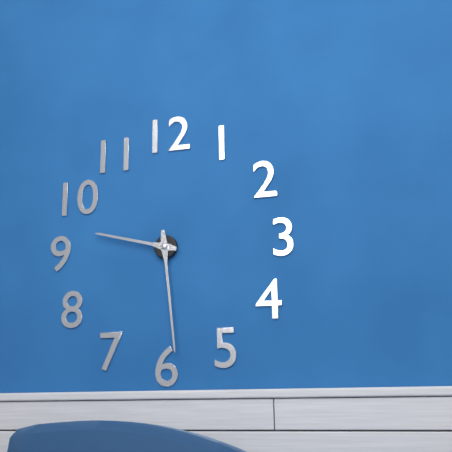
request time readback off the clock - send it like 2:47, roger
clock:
9:29
